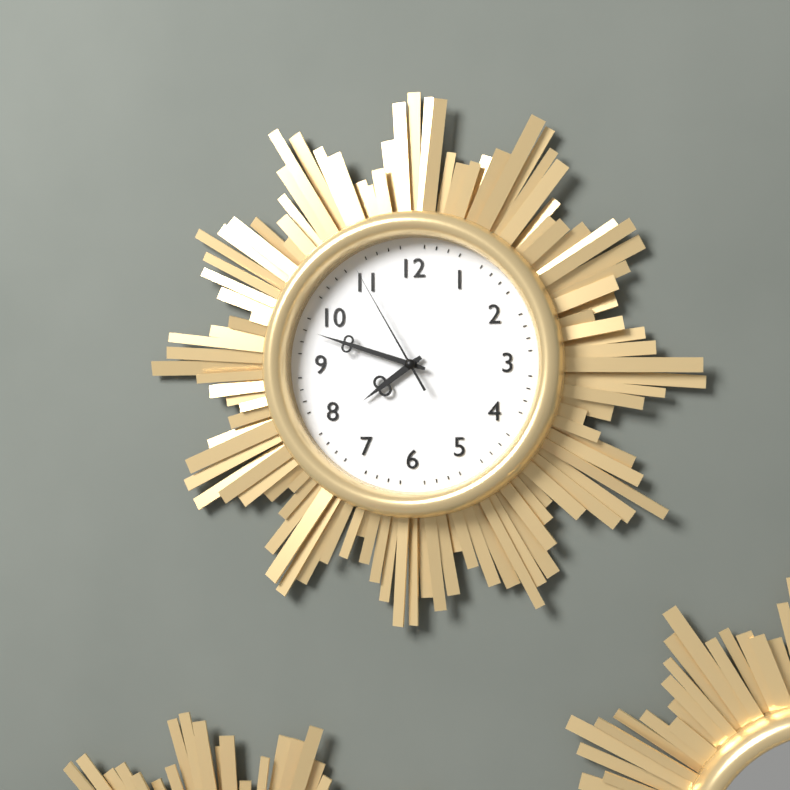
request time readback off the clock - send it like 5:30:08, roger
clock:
7:48:55
